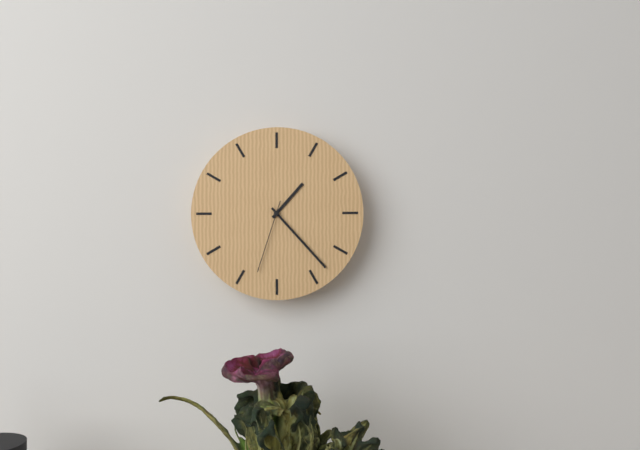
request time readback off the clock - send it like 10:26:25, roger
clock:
1:23:33
